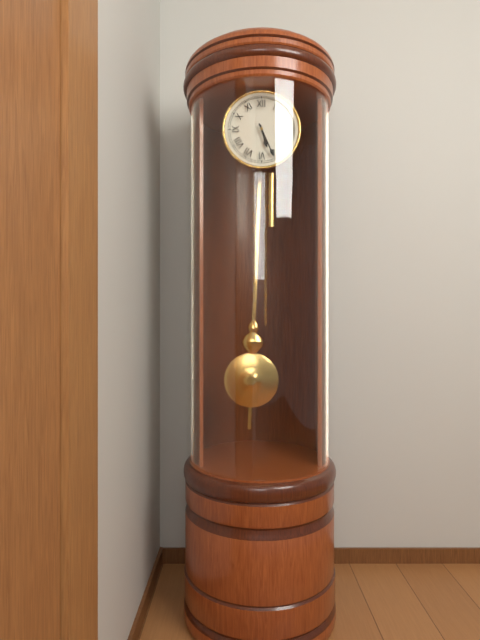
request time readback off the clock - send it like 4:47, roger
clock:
5:26
